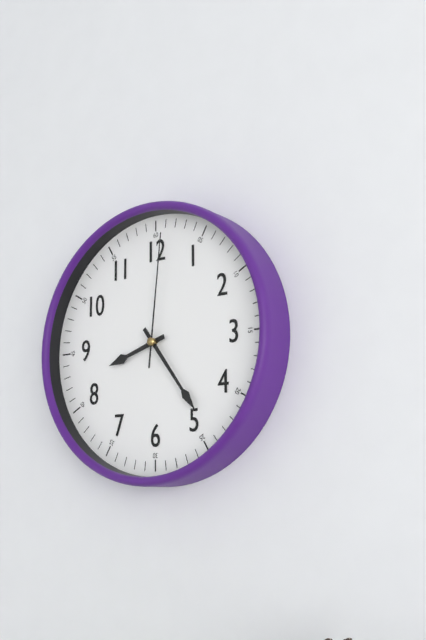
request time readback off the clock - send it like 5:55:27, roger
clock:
8:24:01
